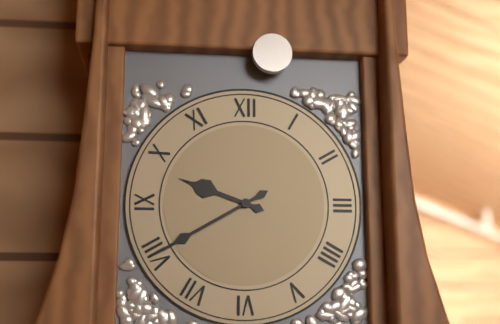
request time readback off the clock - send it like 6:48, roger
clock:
9:40
